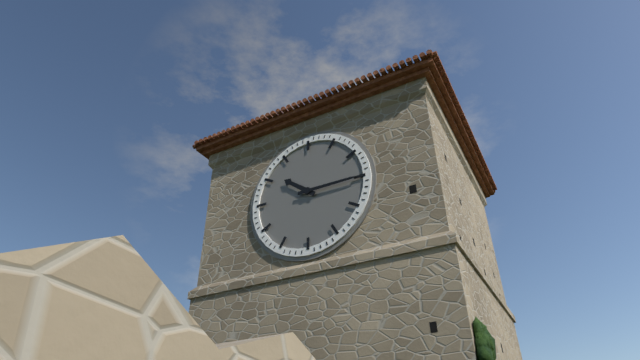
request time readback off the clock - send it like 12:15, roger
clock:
10:15
